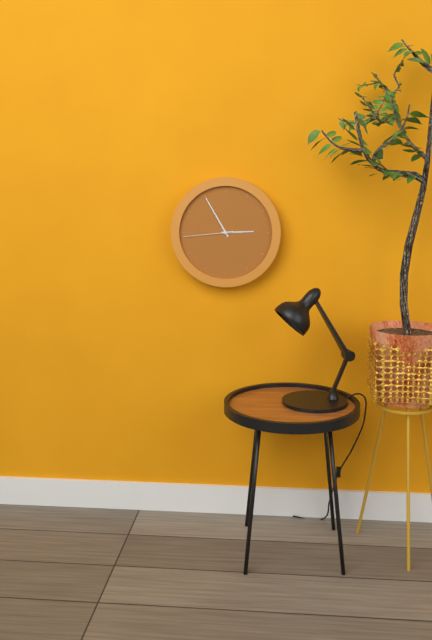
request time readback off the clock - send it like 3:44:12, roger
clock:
2:55:44
